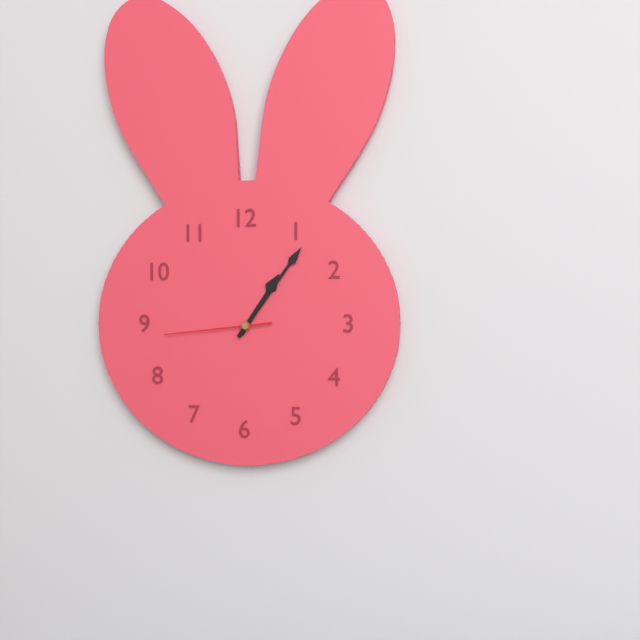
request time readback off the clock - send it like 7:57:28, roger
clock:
1:06:44
